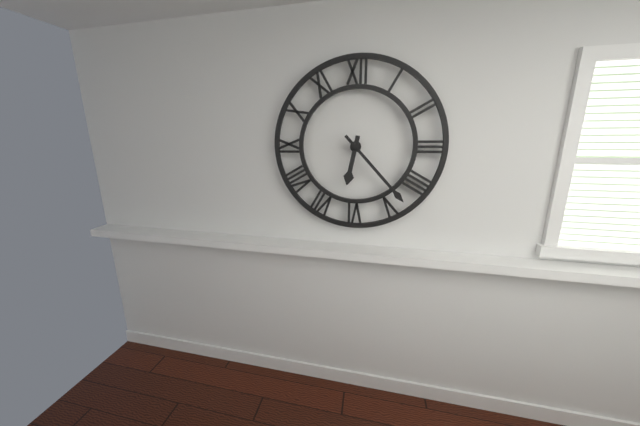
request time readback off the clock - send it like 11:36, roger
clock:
6:23
